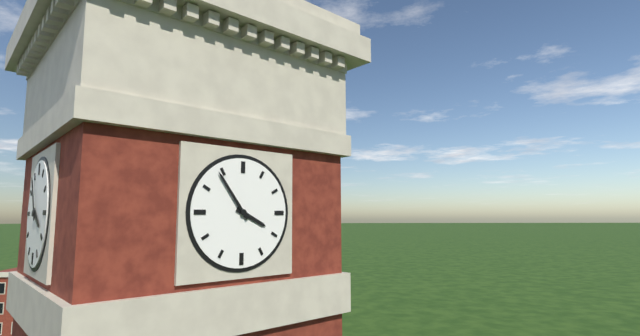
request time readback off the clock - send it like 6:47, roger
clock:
3:54
